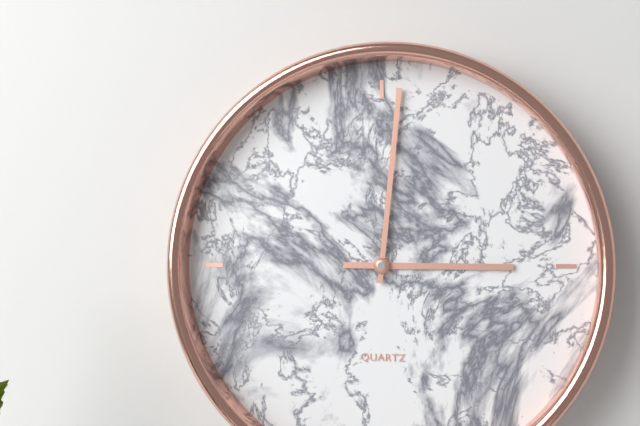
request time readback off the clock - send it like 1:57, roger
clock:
3:01
